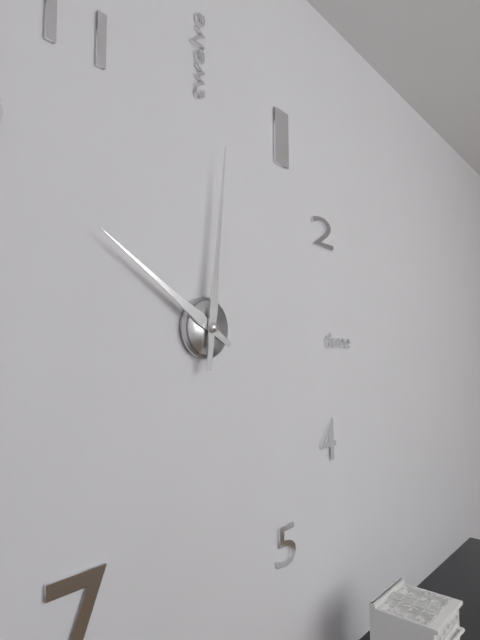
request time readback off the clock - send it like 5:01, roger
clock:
10:01
